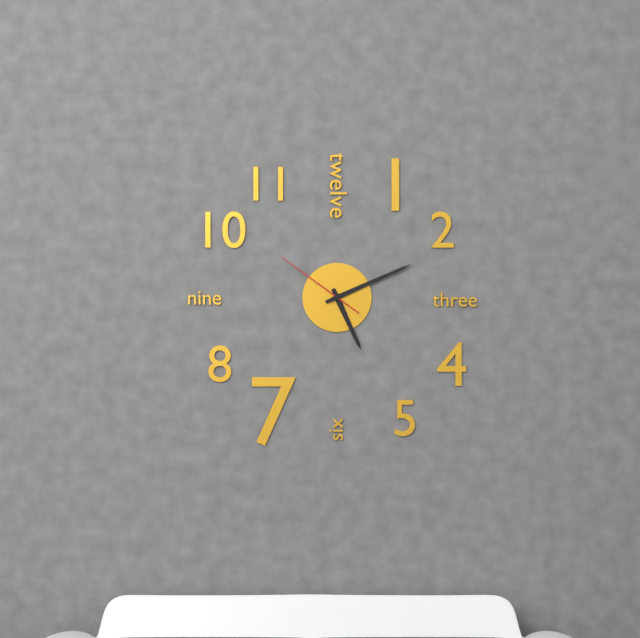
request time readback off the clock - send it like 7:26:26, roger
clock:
5:11:51
